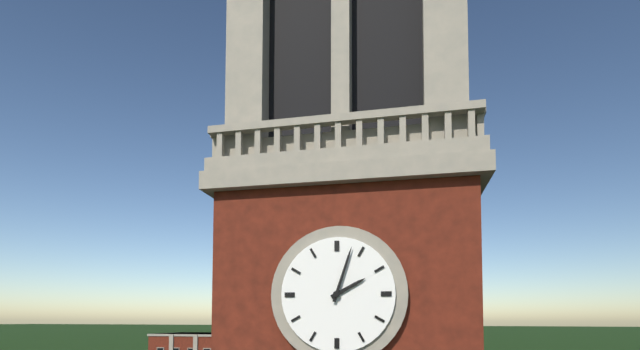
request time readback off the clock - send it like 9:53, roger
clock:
2:03
